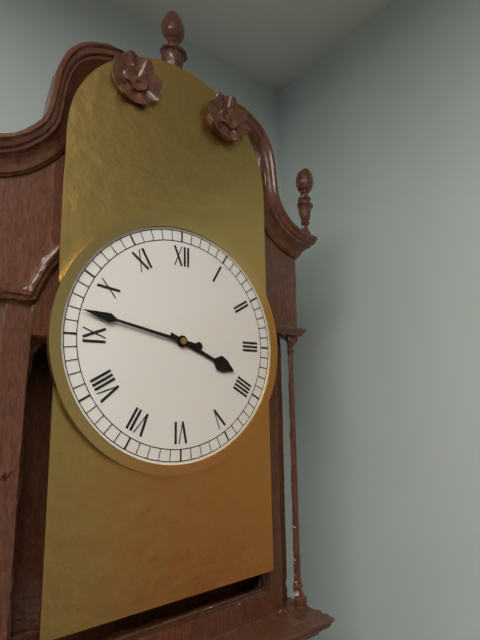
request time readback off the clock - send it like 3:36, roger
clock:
3:47
